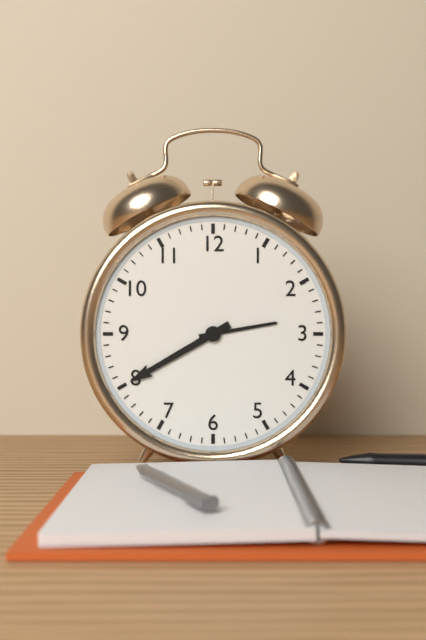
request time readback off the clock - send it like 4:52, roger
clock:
2:40
